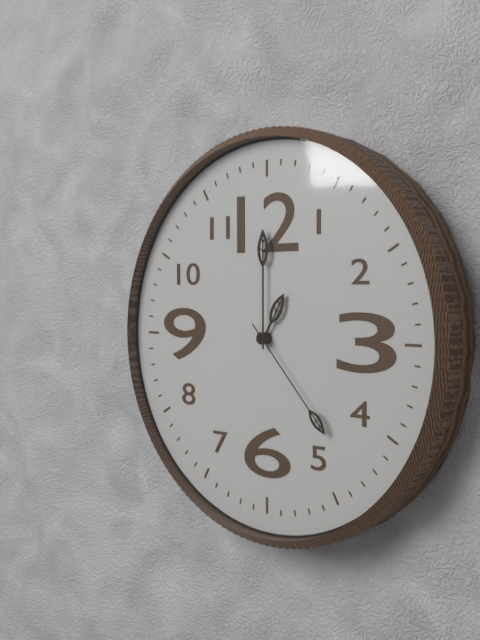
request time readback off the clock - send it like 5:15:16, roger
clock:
1:00:23
